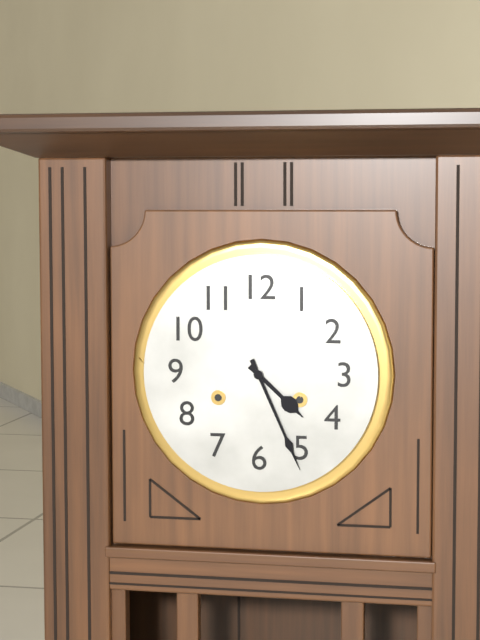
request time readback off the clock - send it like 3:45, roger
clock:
4:26
